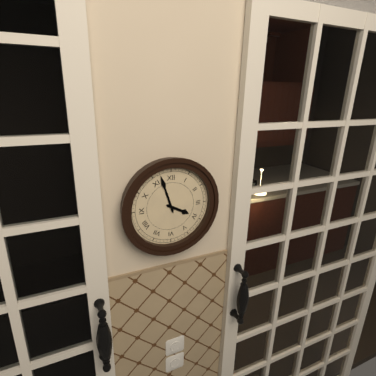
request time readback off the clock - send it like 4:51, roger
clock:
3:57
